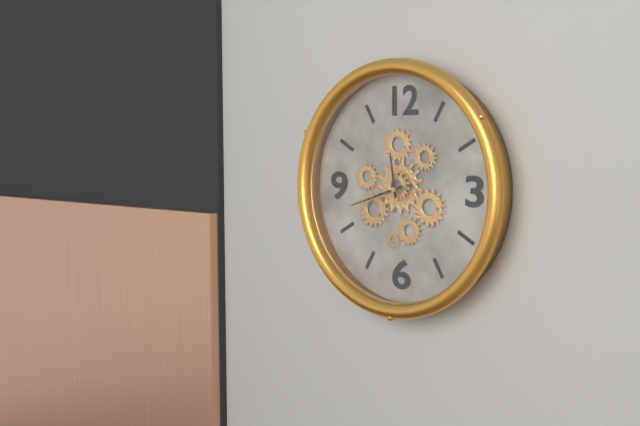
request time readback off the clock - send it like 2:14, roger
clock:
11:42
